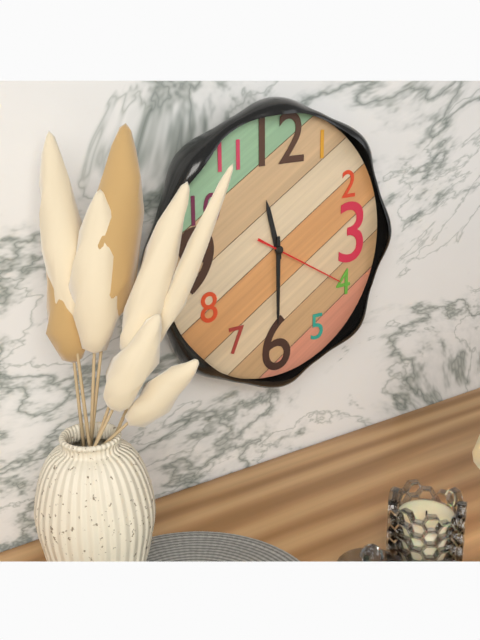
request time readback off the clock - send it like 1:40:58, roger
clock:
11:30:20
